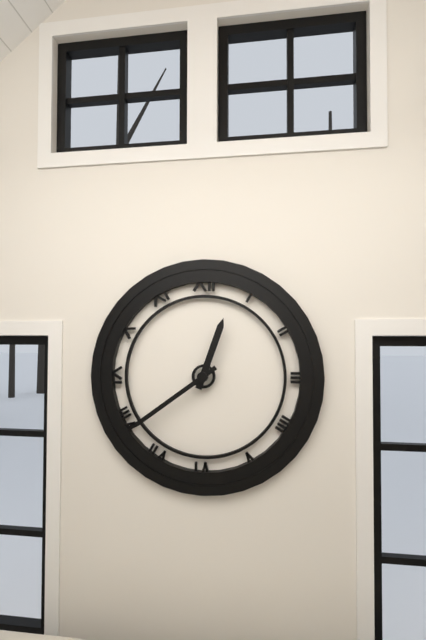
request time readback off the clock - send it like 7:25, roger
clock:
12:39
